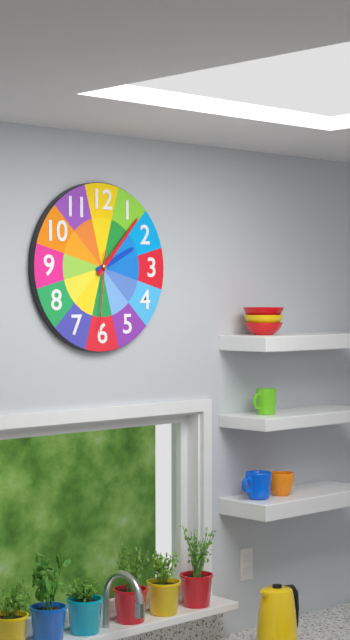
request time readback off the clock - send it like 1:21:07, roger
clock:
2:07:31
